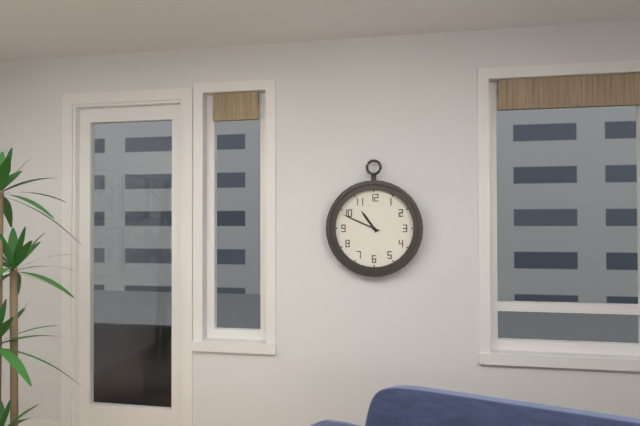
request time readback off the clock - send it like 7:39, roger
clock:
10:49
